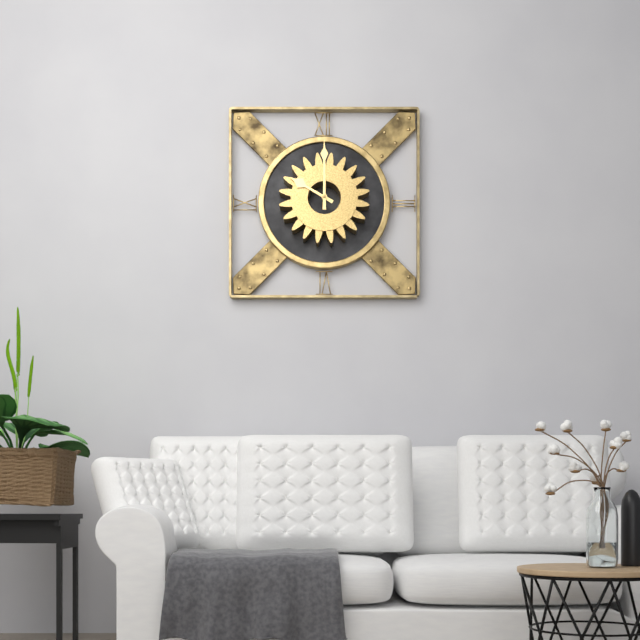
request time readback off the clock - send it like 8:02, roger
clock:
10:00
